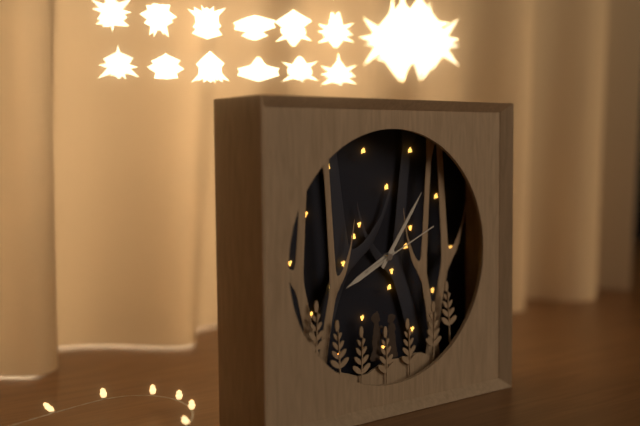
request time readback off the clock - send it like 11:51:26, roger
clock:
8:06:11
